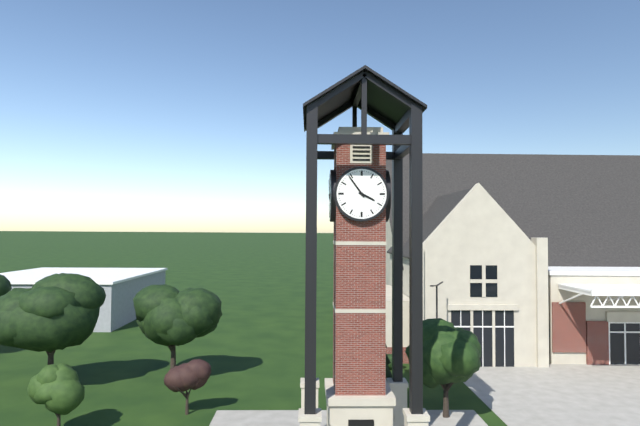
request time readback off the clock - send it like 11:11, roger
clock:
3:54
